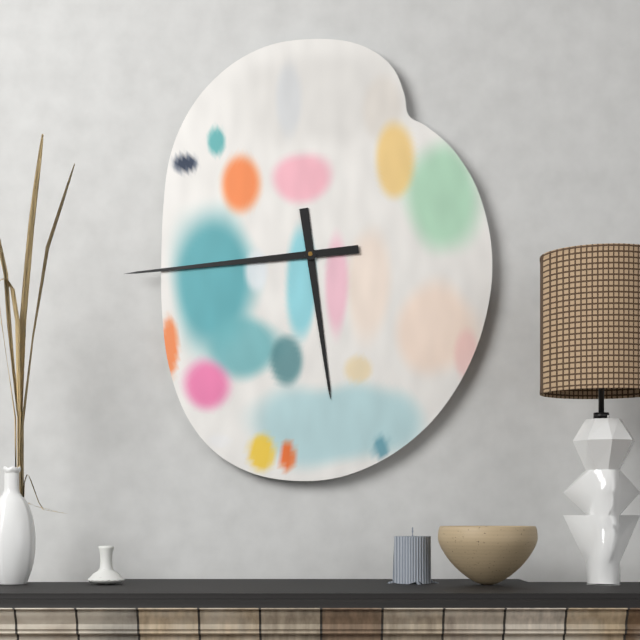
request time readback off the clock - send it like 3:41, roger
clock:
5:44
